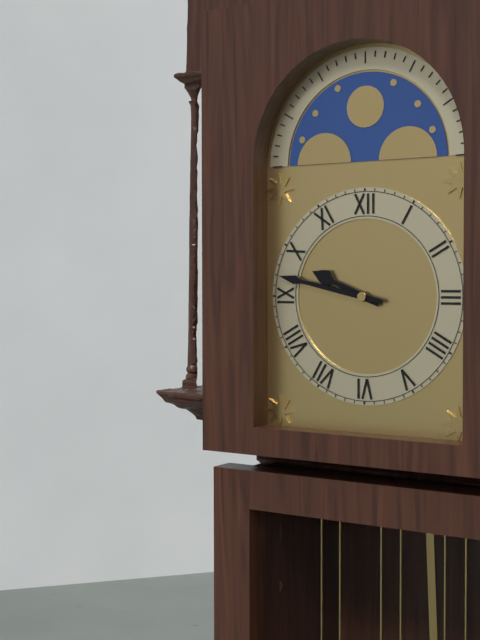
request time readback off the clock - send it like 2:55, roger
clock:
9:47
